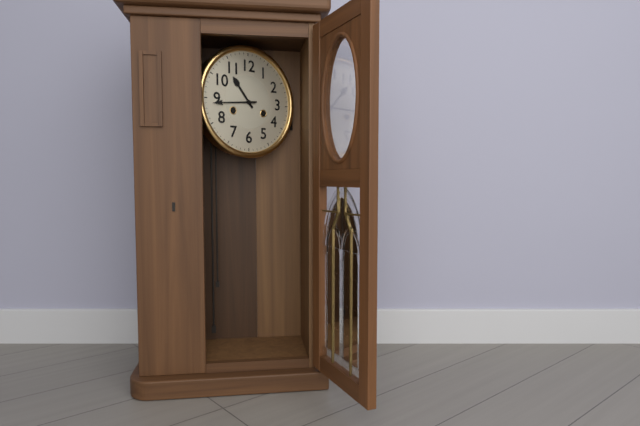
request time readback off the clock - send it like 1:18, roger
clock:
10:44
